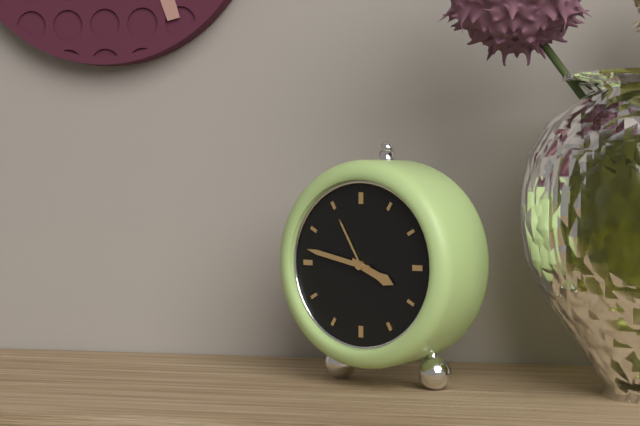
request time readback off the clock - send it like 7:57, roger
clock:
3:47
